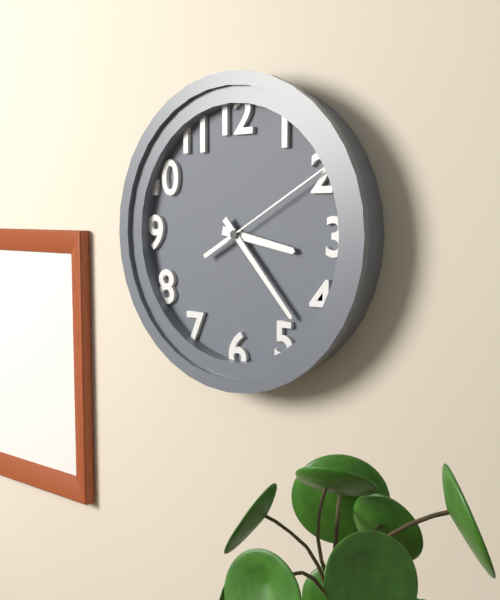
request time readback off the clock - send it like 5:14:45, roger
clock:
3:23:10
